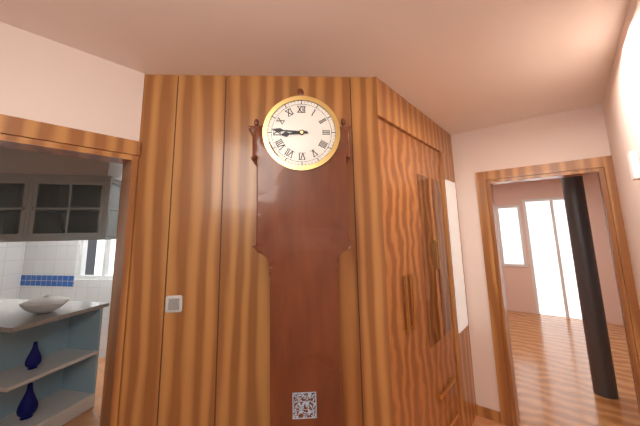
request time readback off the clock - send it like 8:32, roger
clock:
8:46
